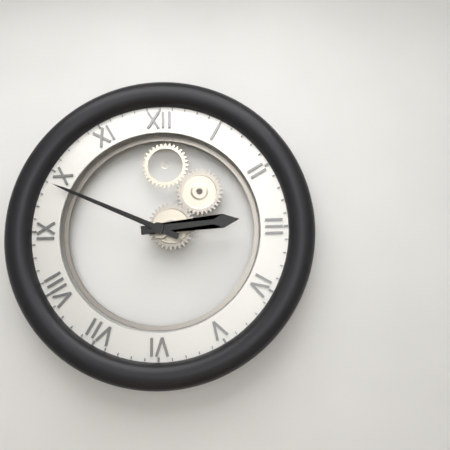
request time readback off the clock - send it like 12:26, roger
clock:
2:49
